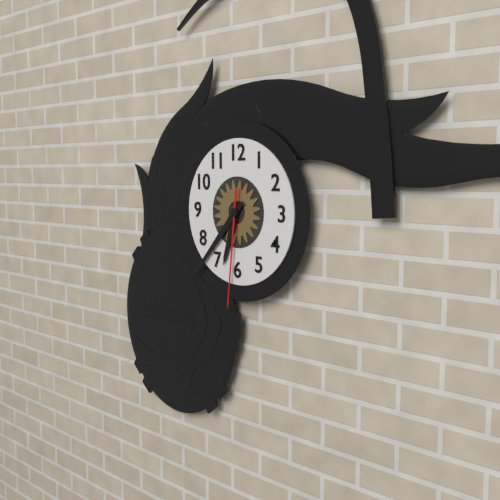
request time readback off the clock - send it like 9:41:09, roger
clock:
6:37:31
